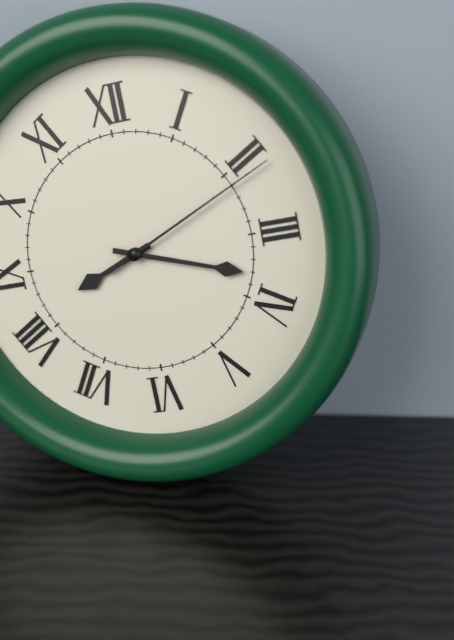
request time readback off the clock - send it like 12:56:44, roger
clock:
8:18:11
